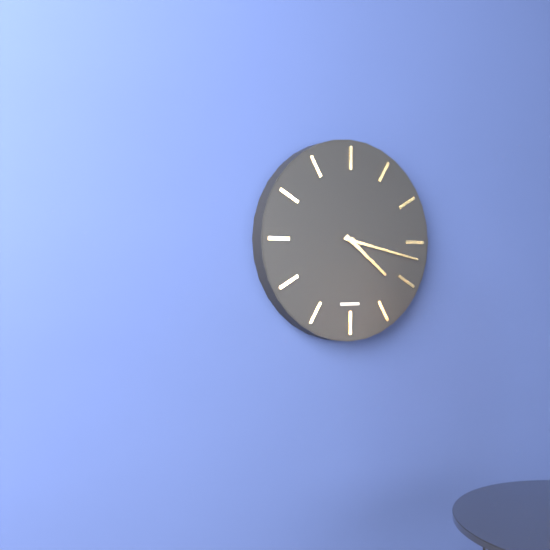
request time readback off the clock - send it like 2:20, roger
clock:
4:17
